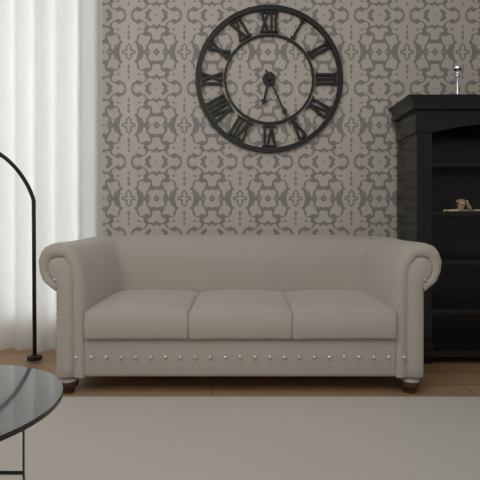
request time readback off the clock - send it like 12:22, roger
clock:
6:26
